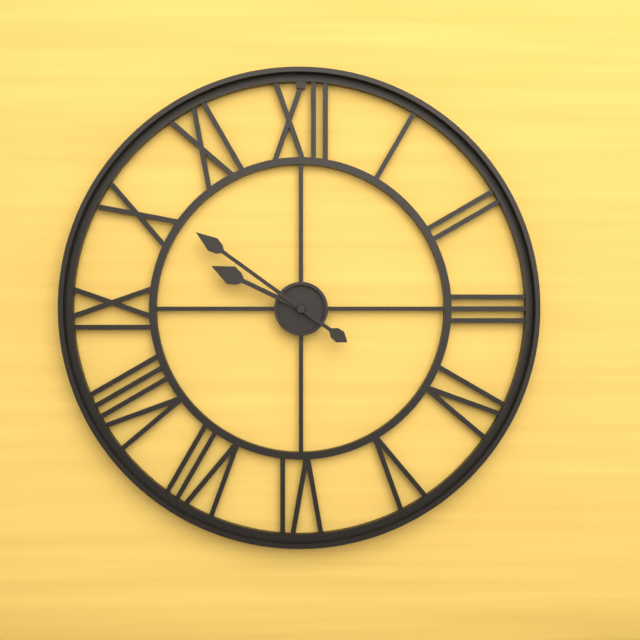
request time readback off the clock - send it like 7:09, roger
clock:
9:51
